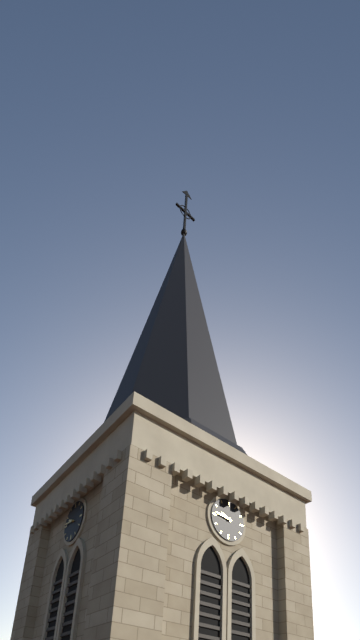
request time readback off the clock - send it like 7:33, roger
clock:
9:46
